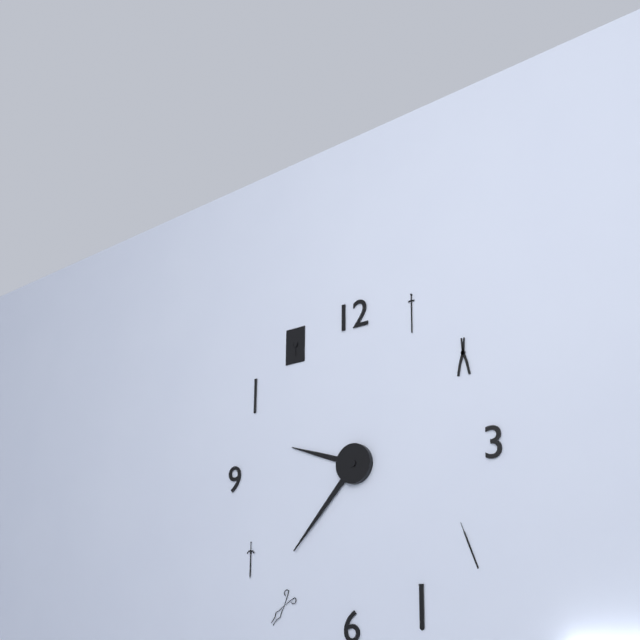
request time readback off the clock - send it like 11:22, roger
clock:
9:37
